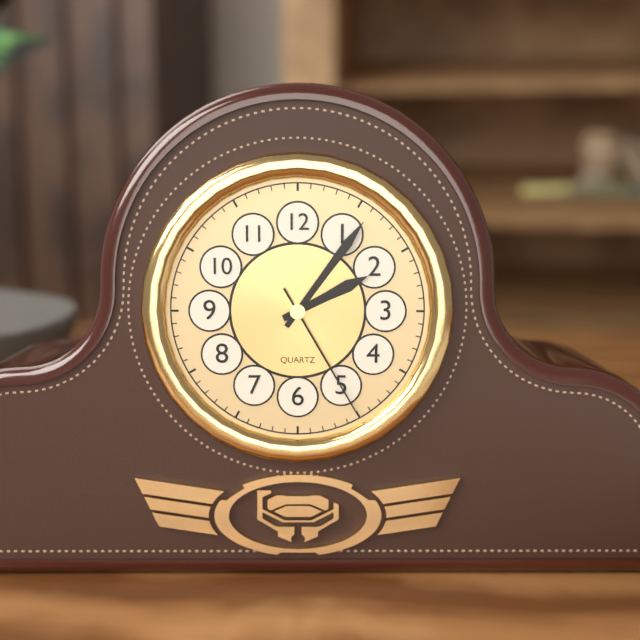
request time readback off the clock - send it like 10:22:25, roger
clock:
2:06:25
